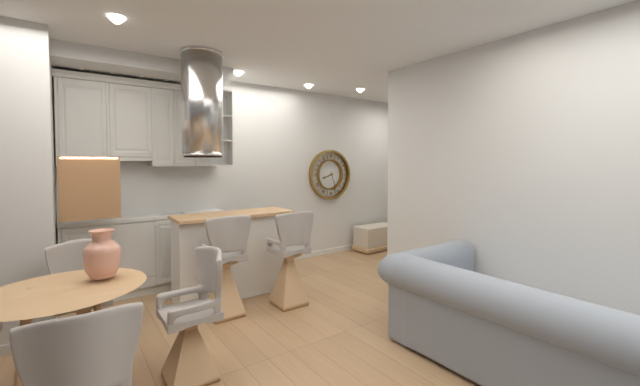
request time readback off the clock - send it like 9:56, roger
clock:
8:27
